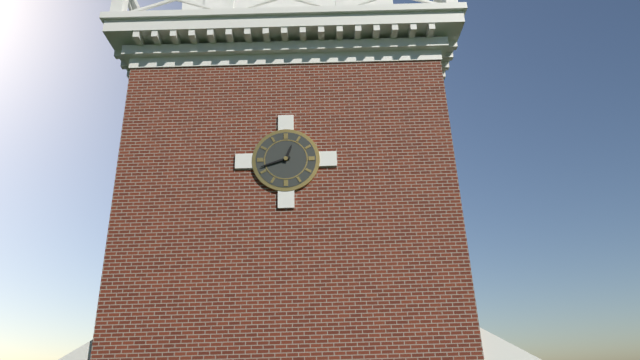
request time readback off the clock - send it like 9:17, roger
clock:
12:42
